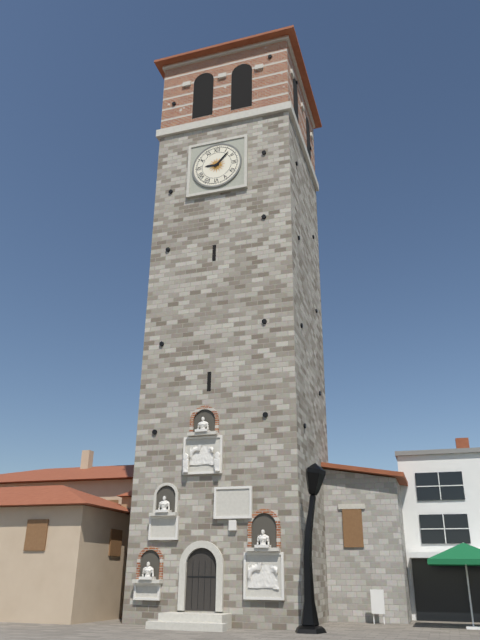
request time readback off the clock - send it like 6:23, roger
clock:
9:07
